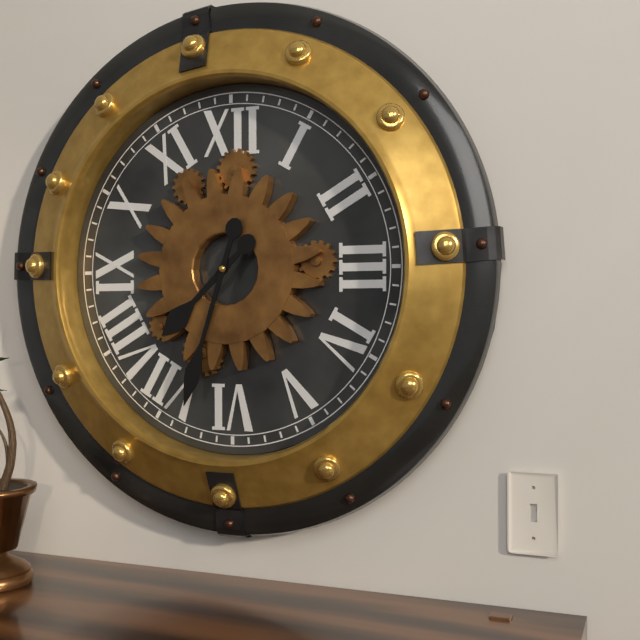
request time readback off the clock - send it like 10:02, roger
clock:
7:33
